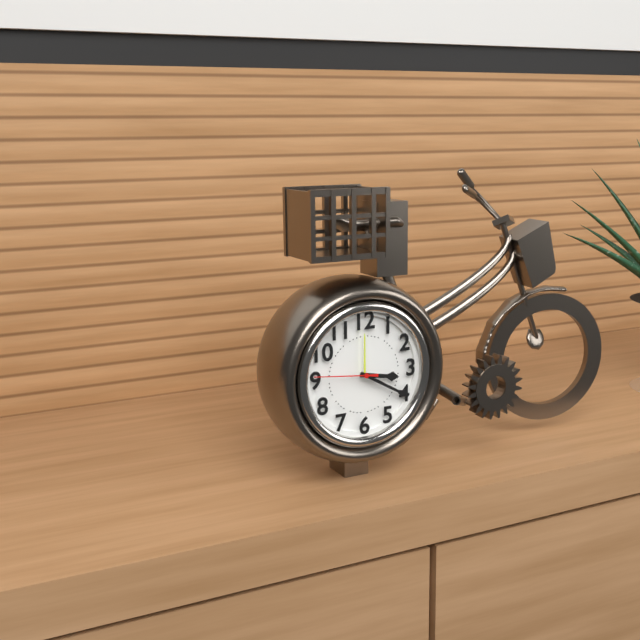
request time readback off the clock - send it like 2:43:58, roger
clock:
3:20:46
